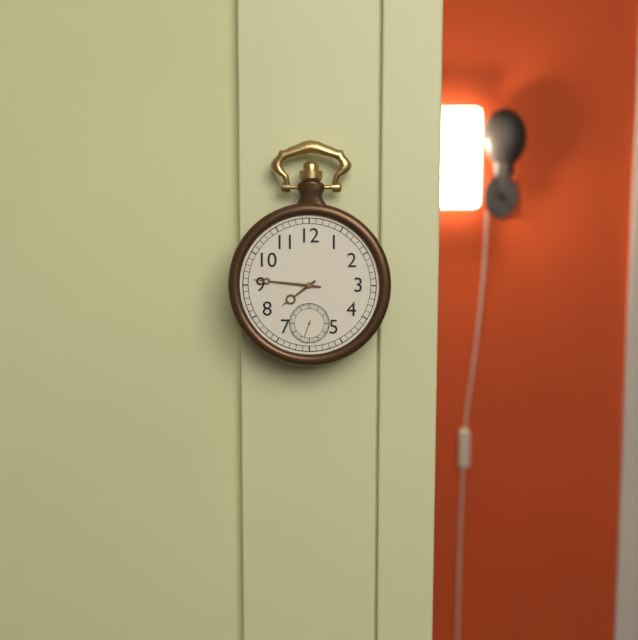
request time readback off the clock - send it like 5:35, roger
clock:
7:46
